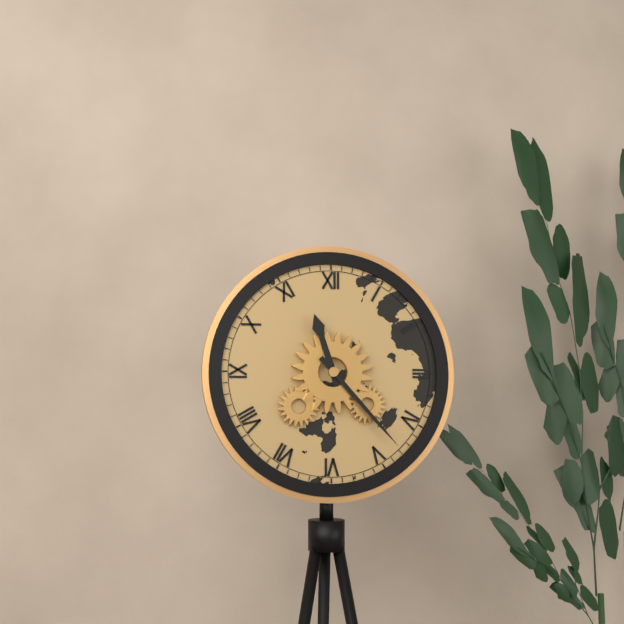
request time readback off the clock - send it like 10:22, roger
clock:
11:23
